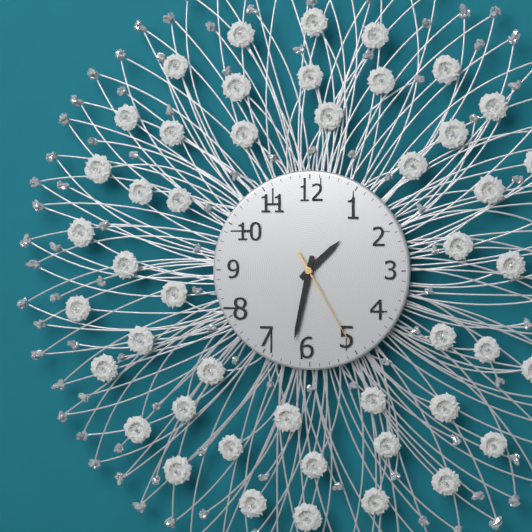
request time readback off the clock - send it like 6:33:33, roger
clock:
1:32:25
